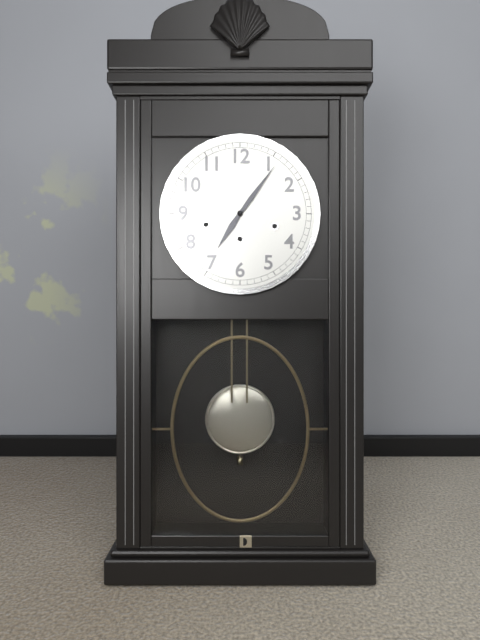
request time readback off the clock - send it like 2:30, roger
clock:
7:06
